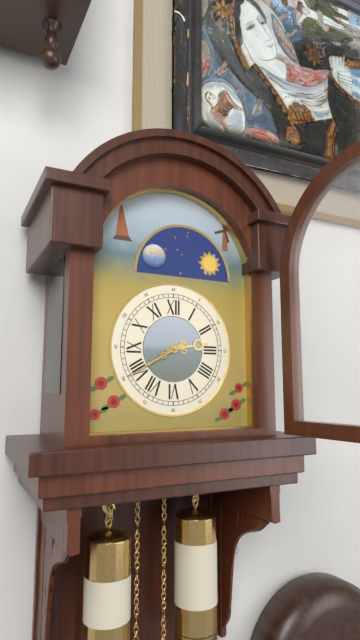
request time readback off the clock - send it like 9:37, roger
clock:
2:40
